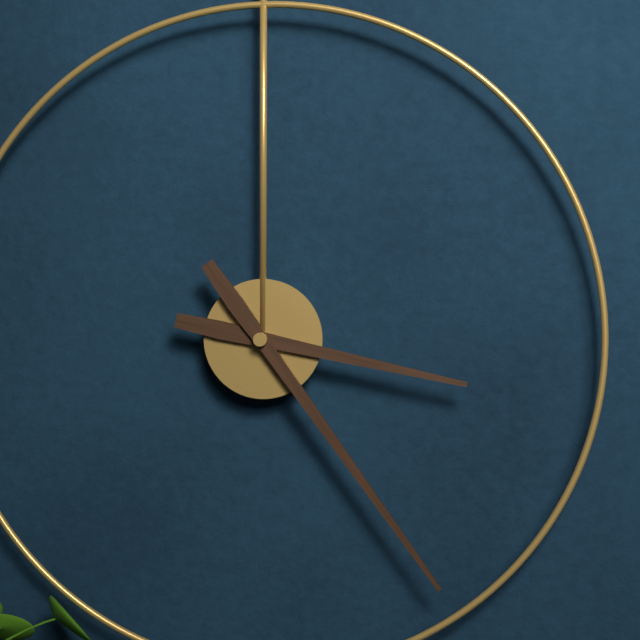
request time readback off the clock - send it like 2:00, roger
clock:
3:24
